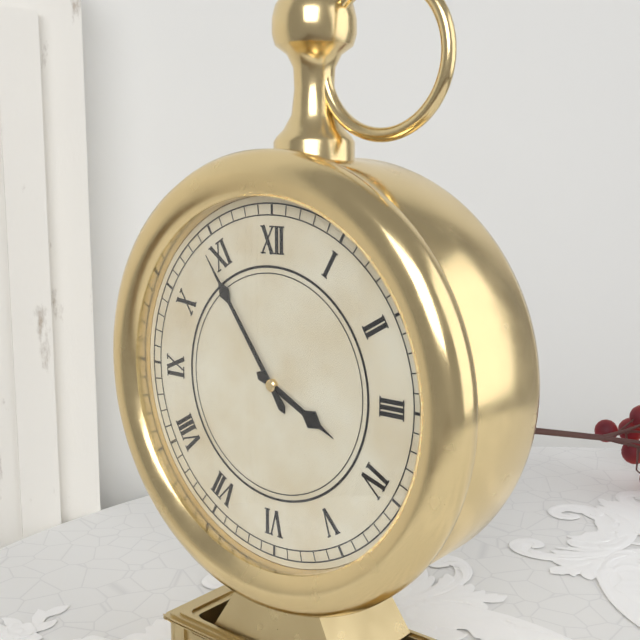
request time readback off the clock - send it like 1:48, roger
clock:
3:54
